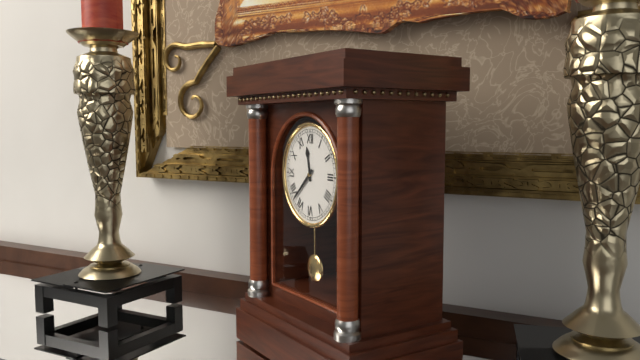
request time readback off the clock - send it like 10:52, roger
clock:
11:38
